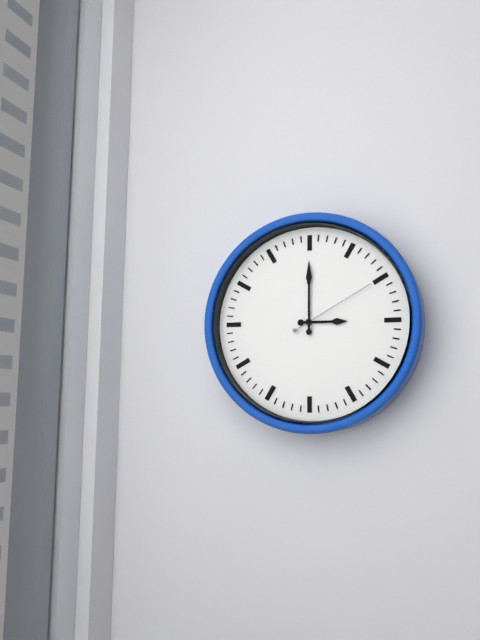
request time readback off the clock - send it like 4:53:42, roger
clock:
3:00:10
